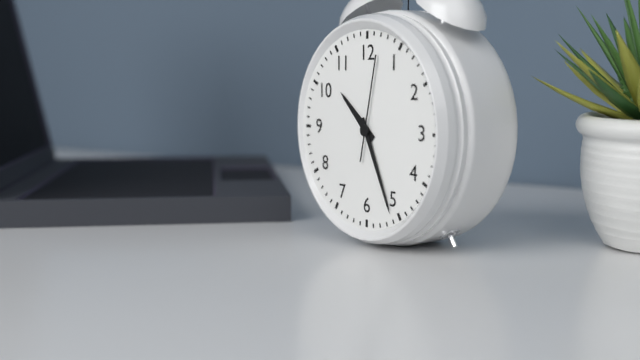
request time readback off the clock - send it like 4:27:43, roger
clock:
10:26:02
